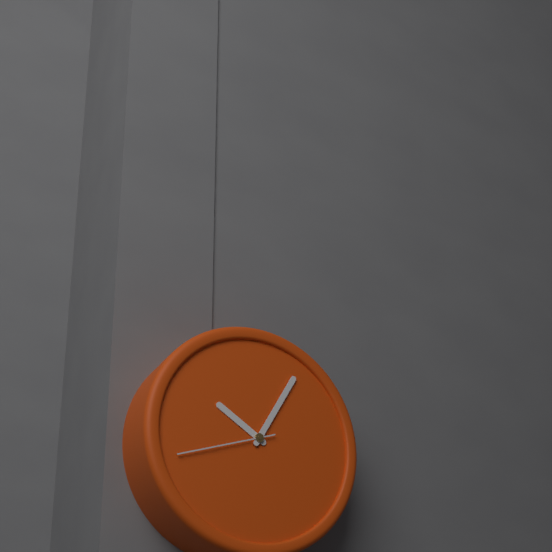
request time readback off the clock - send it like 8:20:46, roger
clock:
10:05:42
